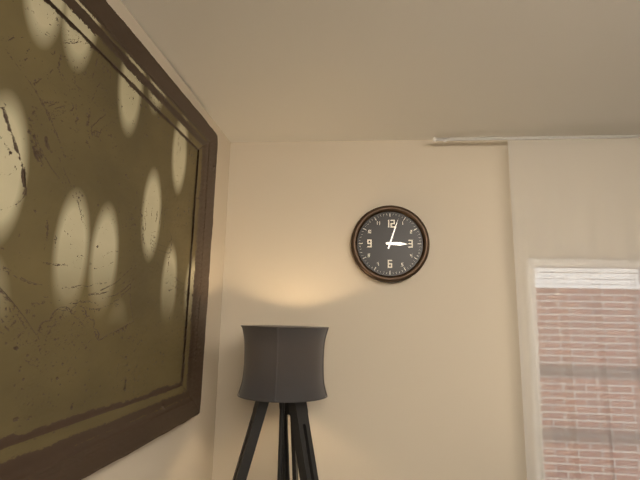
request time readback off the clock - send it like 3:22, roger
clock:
3:03
